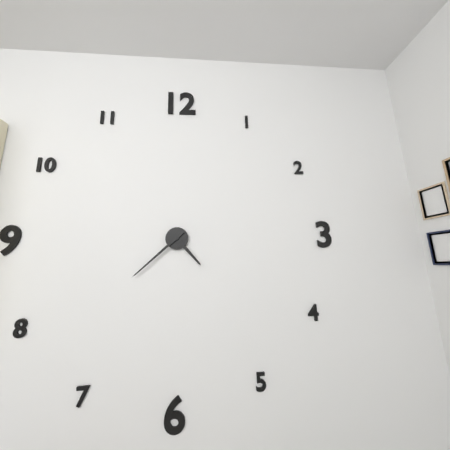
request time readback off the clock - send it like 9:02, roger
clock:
4:38
